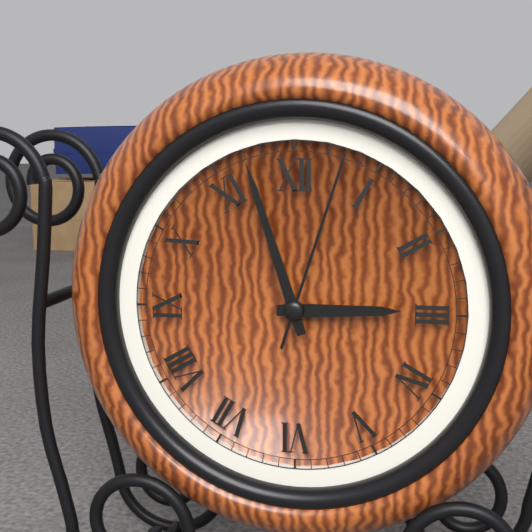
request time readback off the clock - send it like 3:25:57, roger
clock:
2:57:03
